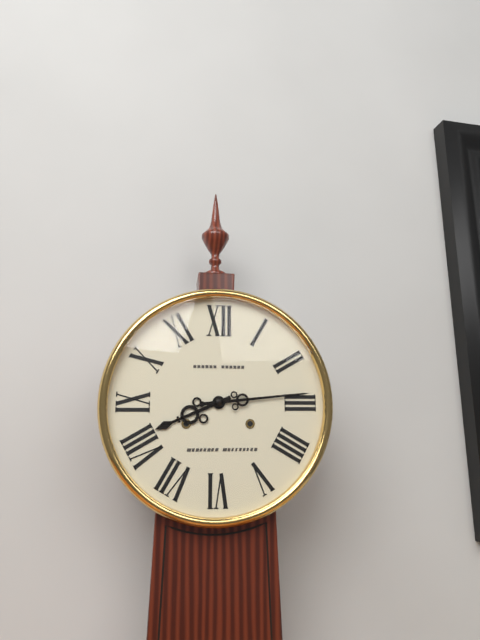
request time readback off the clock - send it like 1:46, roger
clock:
8:14
